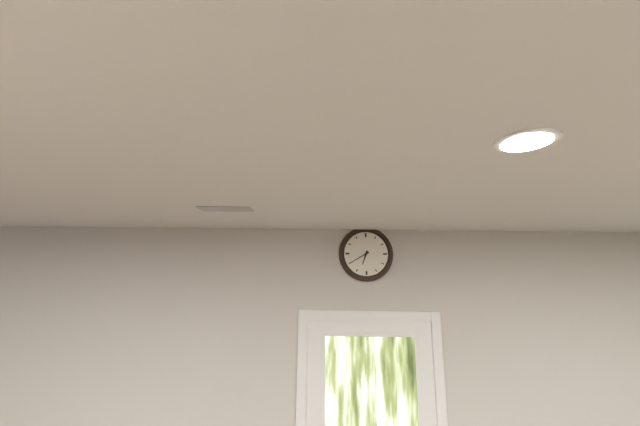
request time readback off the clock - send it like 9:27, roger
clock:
6:40
